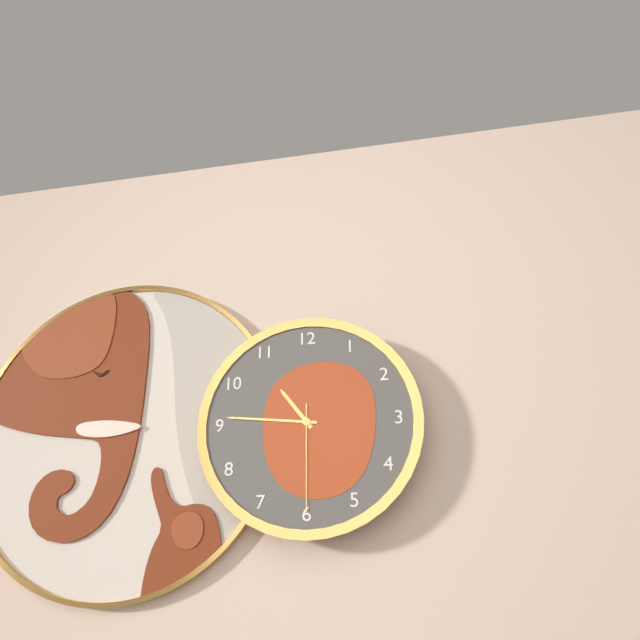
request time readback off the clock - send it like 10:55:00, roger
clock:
10:46:30
